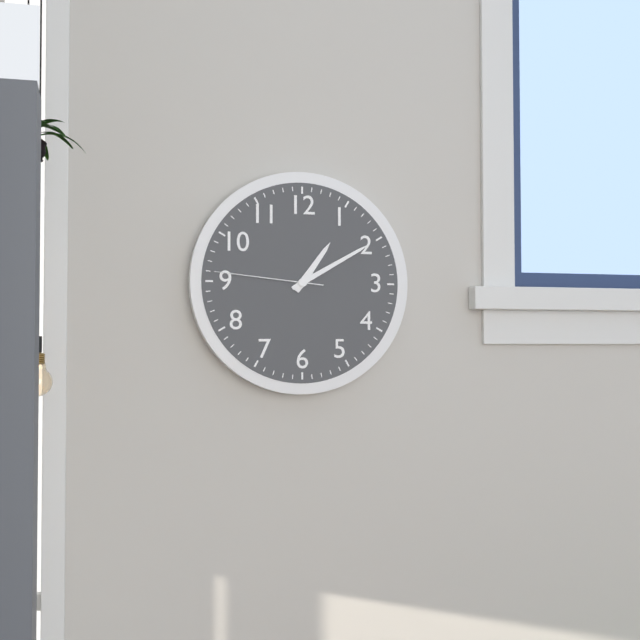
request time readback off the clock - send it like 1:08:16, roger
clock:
1:10:46
